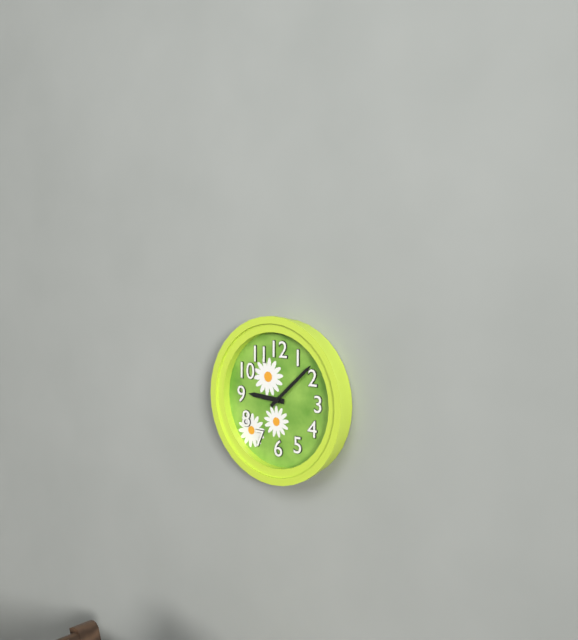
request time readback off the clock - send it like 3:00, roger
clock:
9:08
